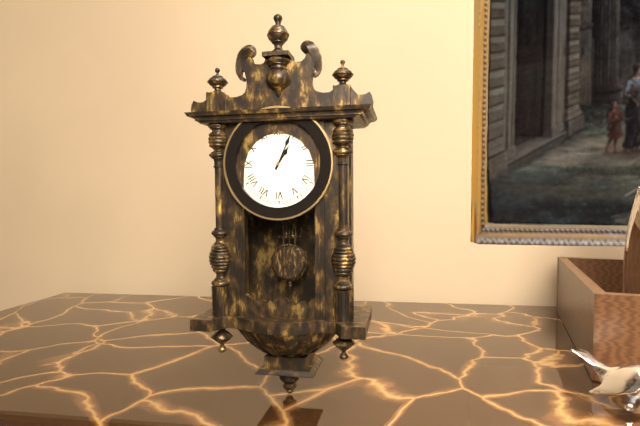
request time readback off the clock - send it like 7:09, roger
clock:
1:04
